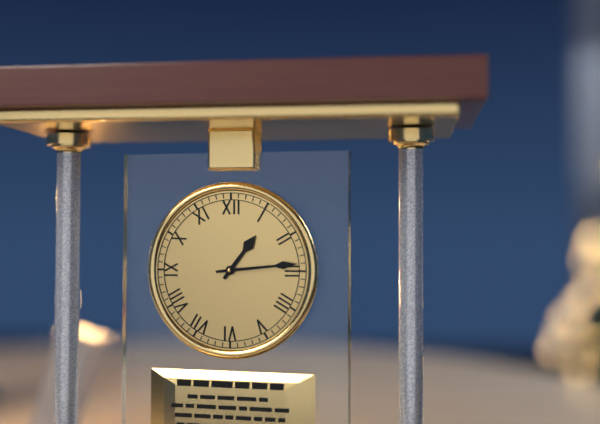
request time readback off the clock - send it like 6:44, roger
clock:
1:14
